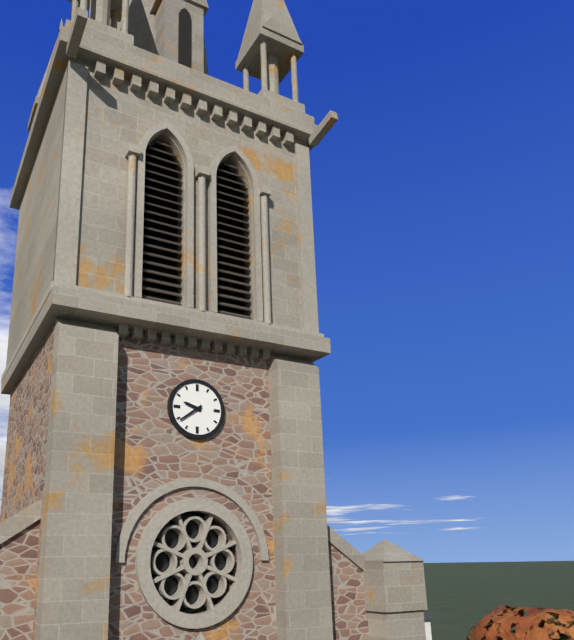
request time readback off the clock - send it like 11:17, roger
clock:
9:39
